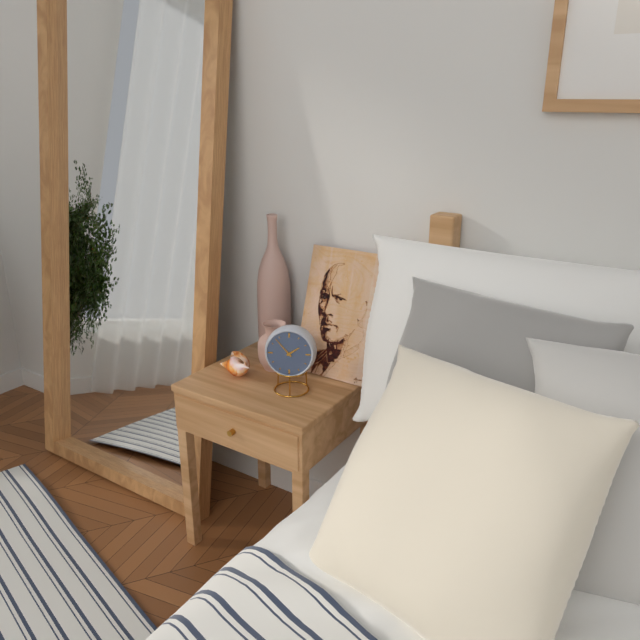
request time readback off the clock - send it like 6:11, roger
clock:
1:53
